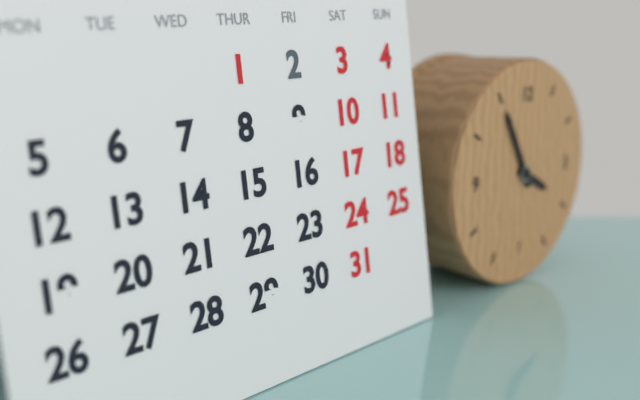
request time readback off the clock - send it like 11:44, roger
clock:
3:55
